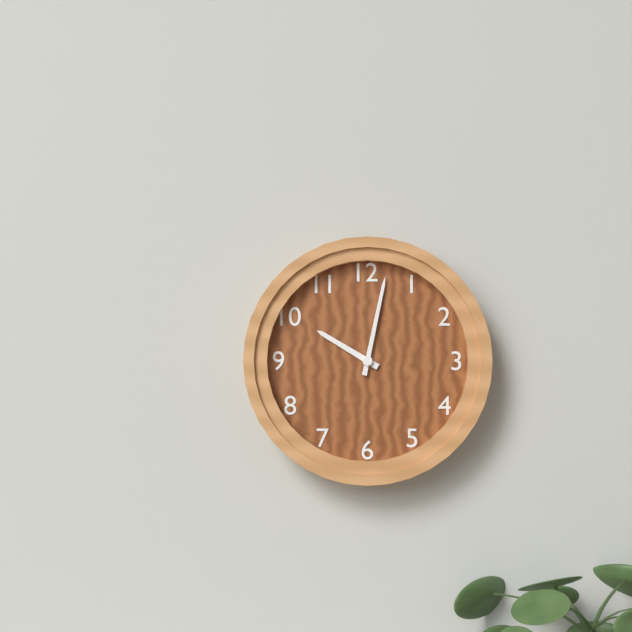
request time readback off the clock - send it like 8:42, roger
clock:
10:02
